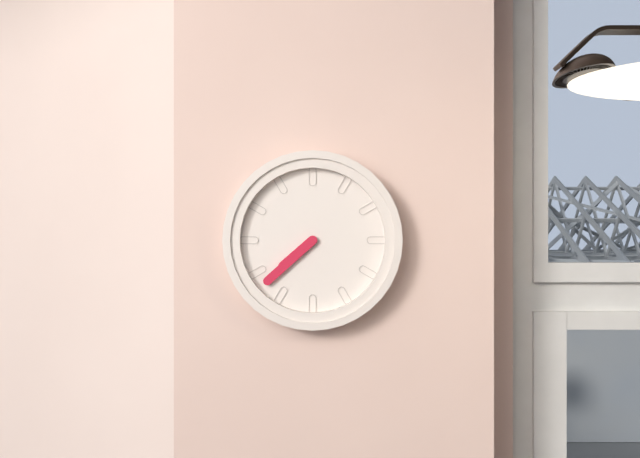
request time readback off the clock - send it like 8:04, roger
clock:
7:38
